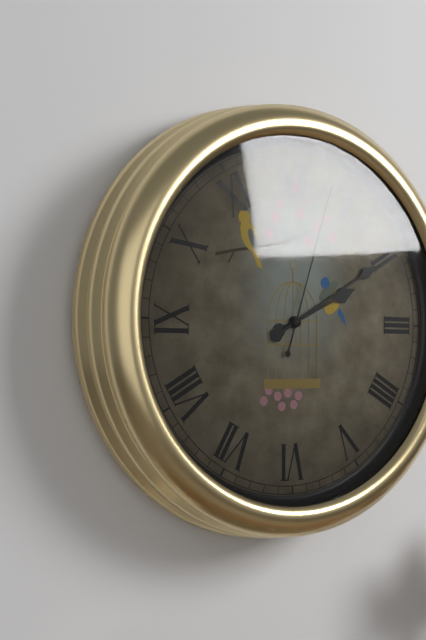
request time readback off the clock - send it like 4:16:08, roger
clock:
2:10:03
